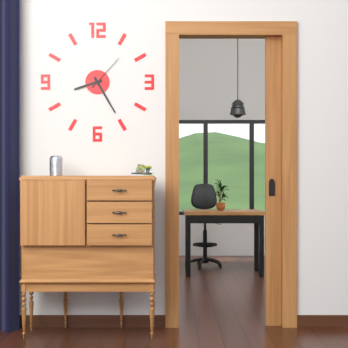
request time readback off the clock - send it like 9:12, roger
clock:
8:25
